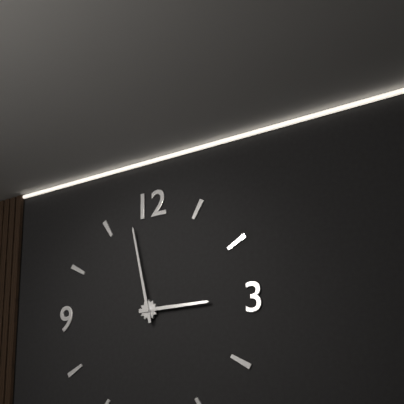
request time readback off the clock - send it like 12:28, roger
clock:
2:58
